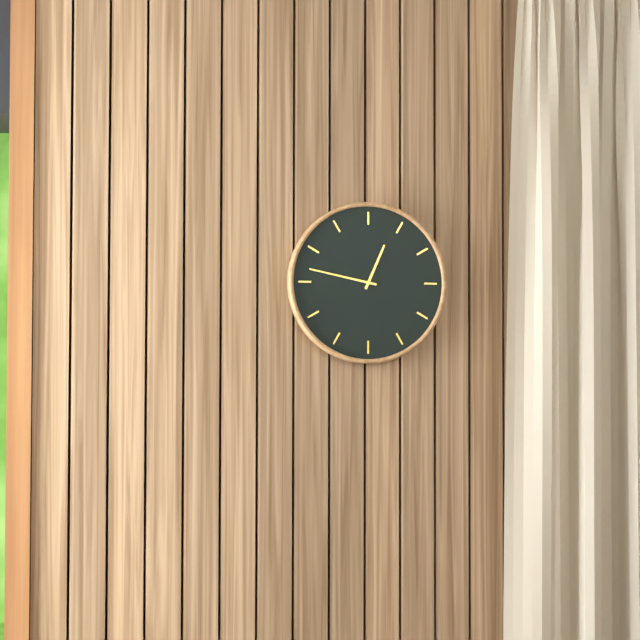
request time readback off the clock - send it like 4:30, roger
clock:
12:47
